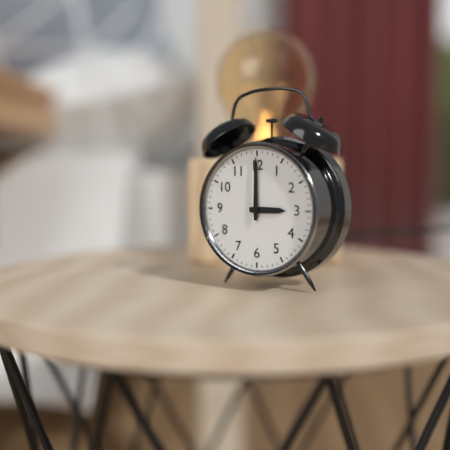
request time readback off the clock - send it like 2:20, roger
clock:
3:00
